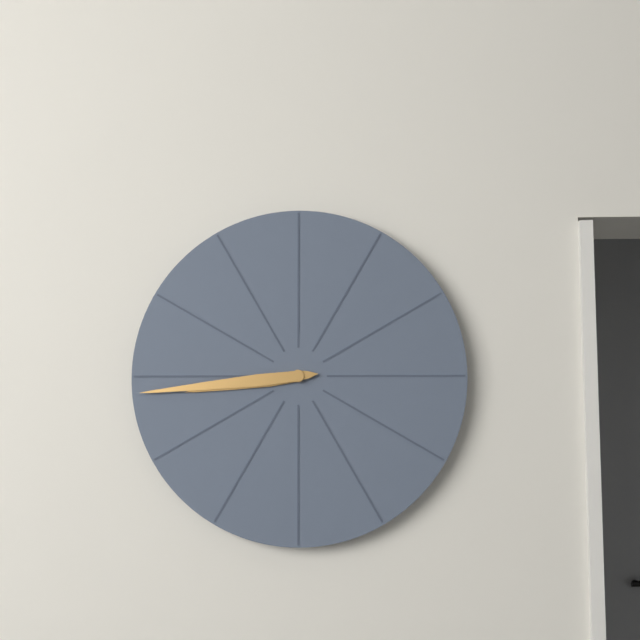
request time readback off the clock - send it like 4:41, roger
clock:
8:44
